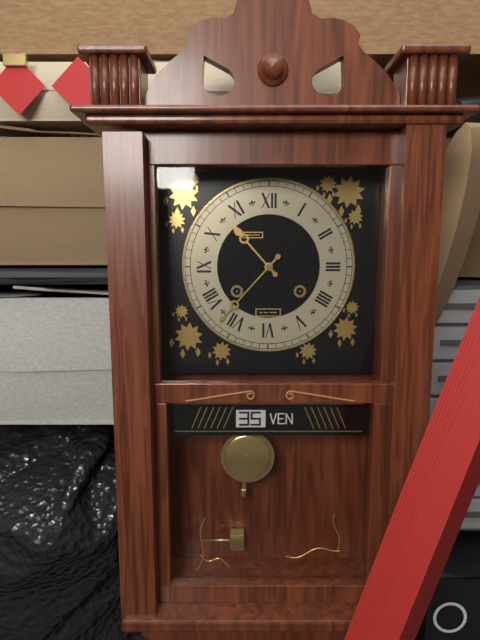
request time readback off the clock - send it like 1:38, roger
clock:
10:37
